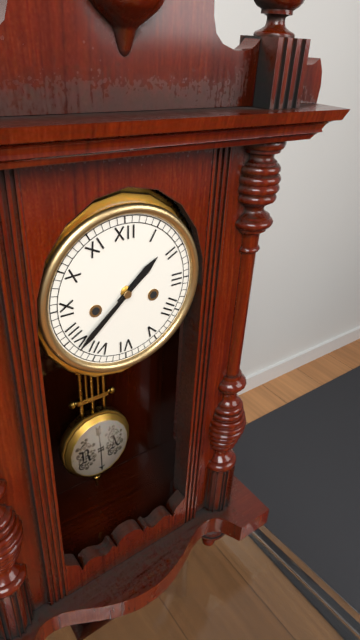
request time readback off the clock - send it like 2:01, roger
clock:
1:38
